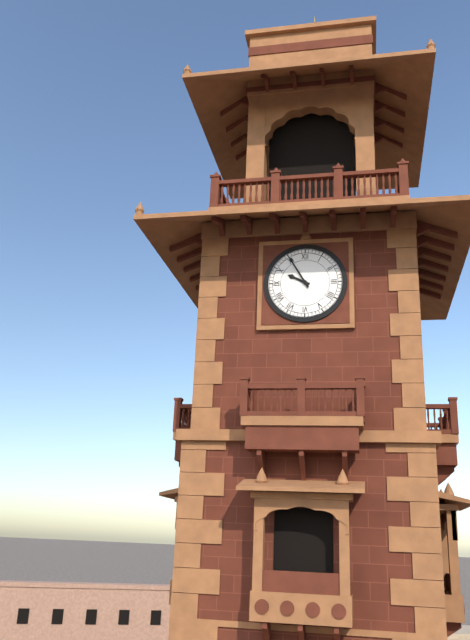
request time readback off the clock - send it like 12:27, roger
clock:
9:55
